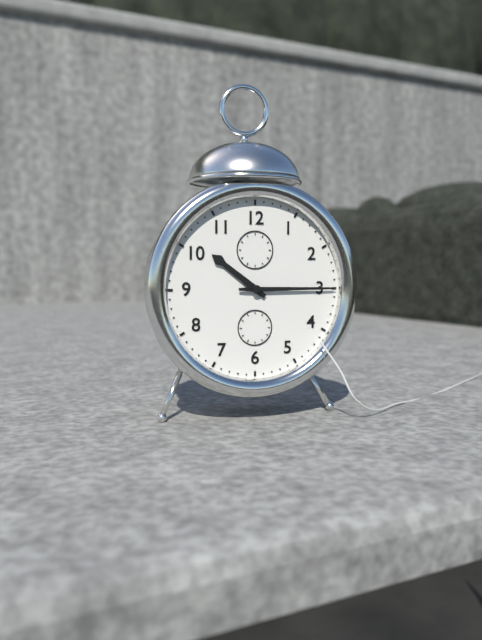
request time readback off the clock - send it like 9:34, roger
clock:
10:15
